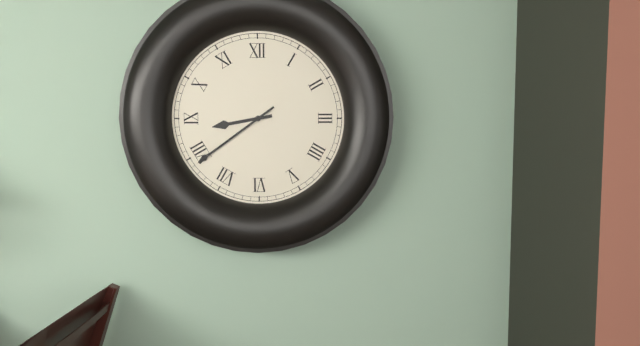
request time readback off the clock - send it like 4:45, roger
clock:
8:39
